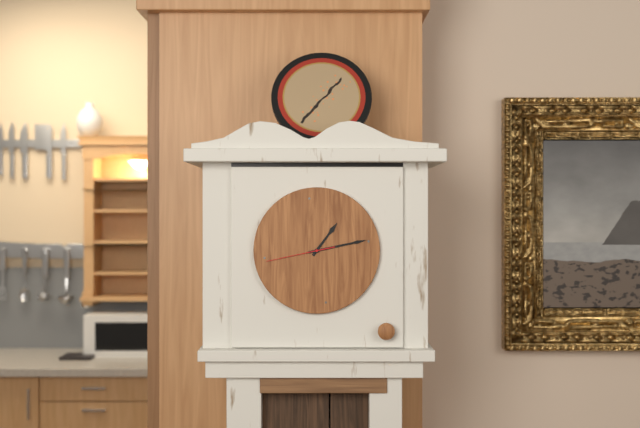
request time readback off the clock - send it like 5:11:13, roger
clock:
1:13:43
